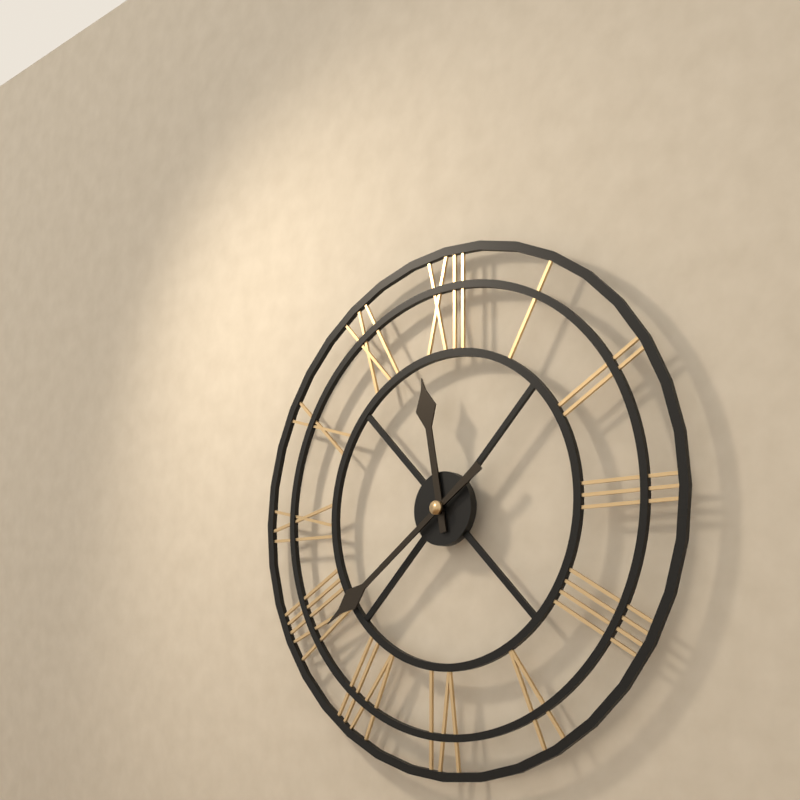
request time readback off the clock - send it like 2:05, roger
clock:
11:39
